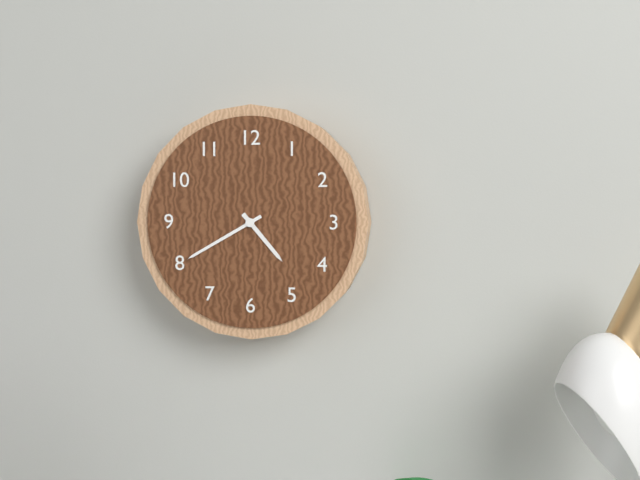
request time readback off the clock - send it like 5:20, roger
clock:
4:40
